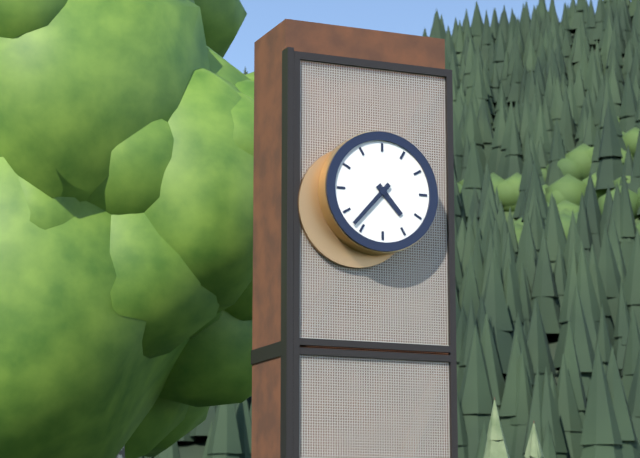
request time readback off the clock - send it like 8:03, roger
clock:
4:37
